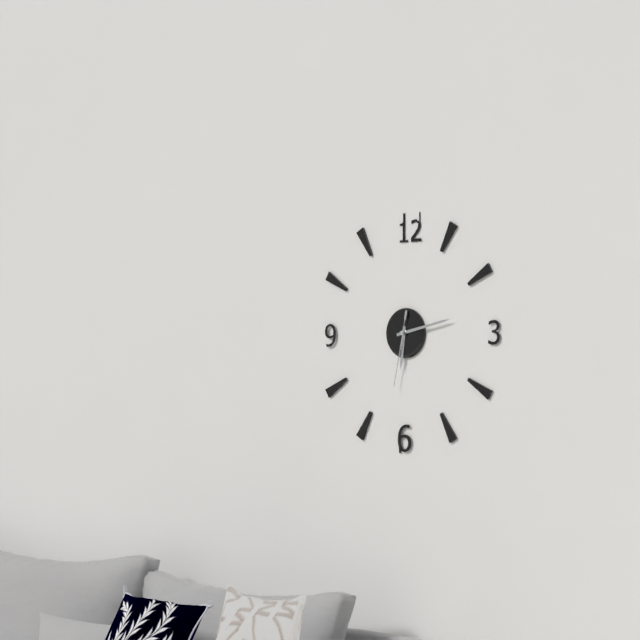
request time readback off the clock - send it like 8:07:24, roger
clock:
6:13:32
